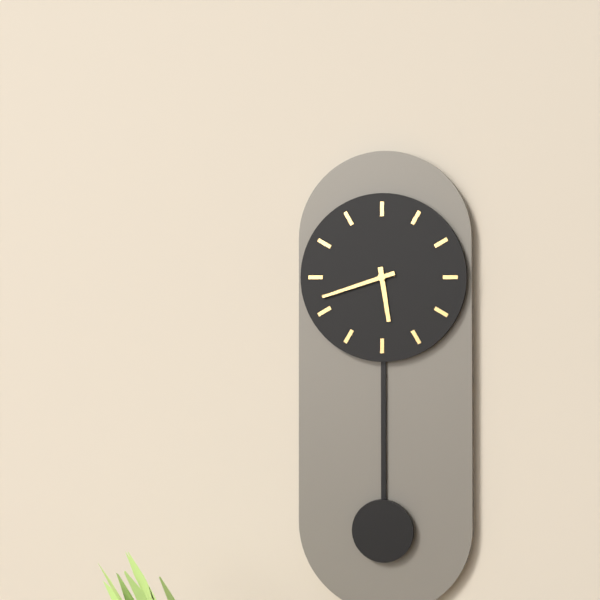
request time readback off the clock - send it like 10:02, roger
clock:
5:42
